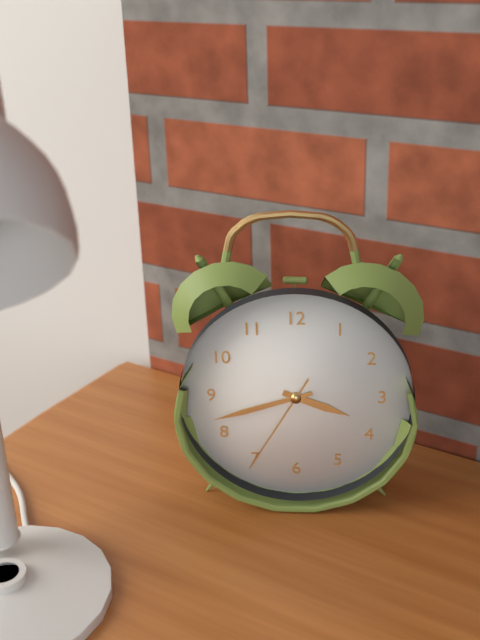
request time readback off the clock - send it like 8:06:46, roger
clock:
3:42:35
